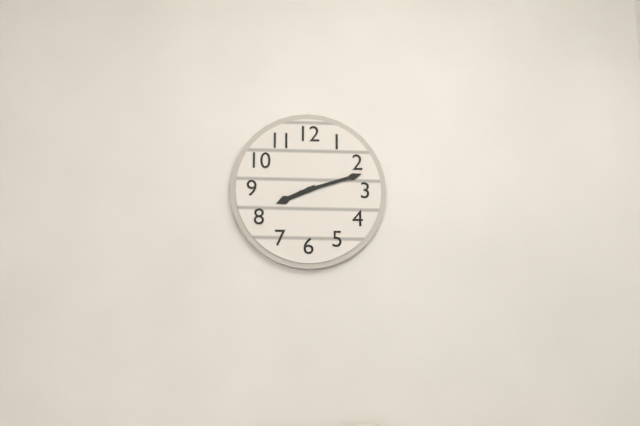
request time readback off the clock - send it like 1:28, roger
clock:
8:12
